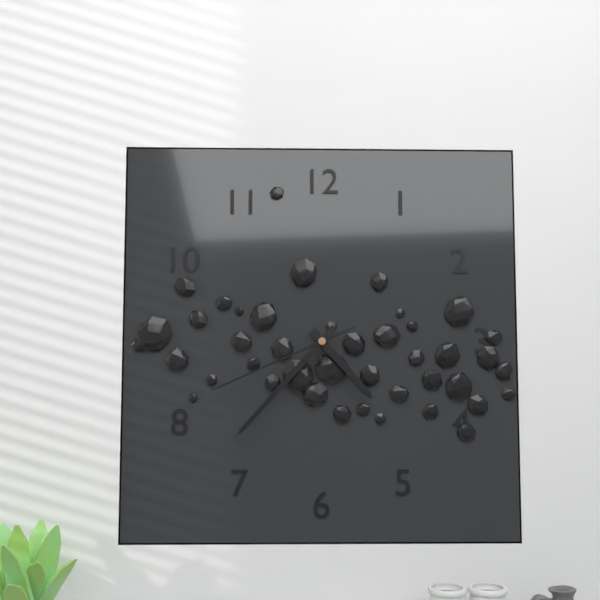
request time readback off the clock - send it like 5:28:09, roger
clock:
4:37:41
